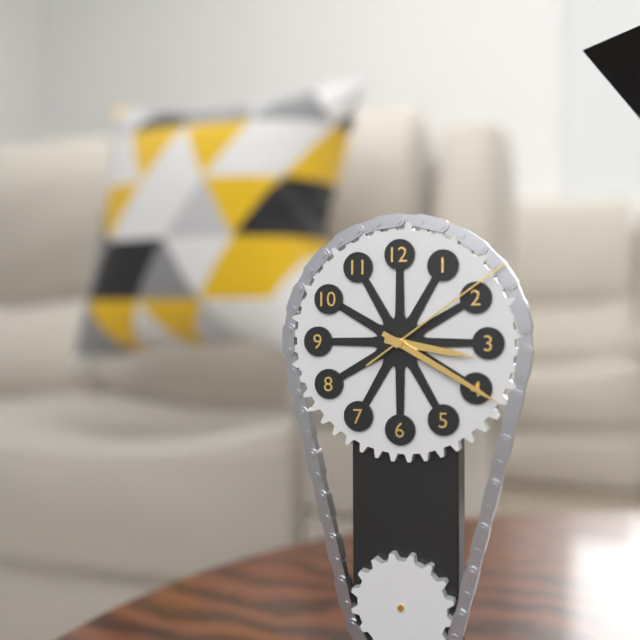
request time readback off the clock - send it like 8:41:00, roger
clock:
3:20:09
